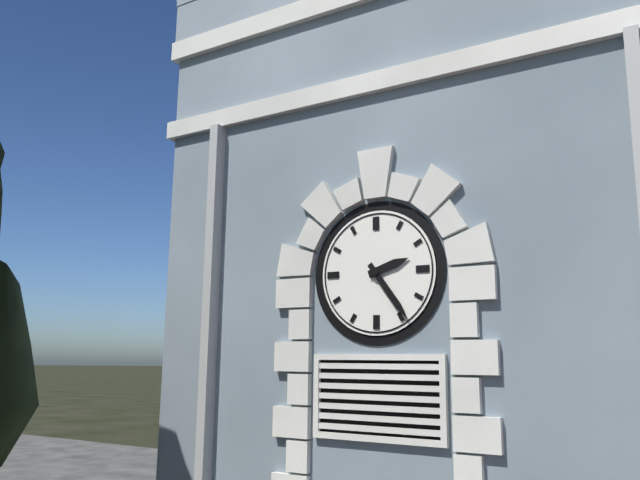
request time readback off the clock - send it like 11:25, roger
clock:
2:24
